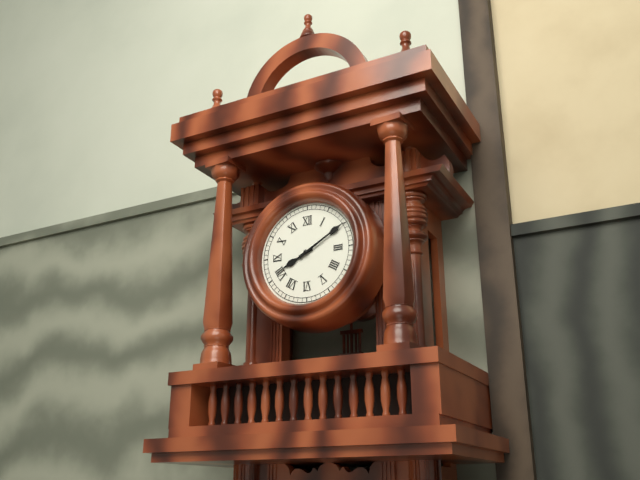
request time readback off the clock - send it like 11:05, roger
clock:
8:10
